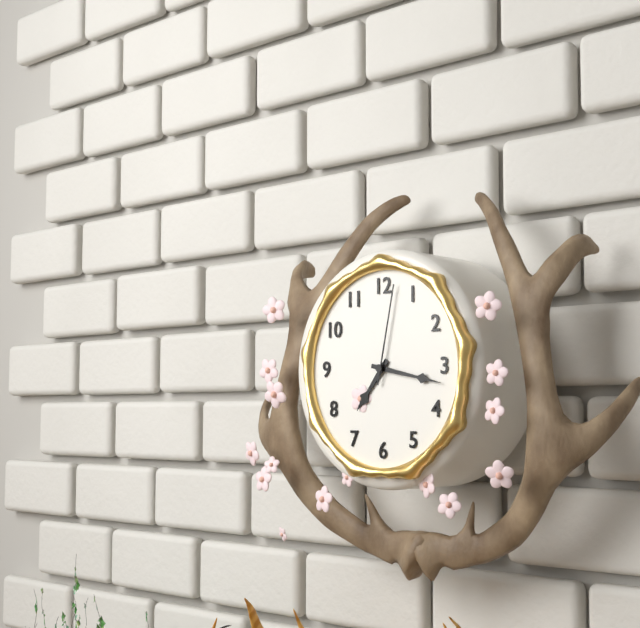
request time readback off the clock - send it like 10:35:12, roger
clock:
7:17:02
